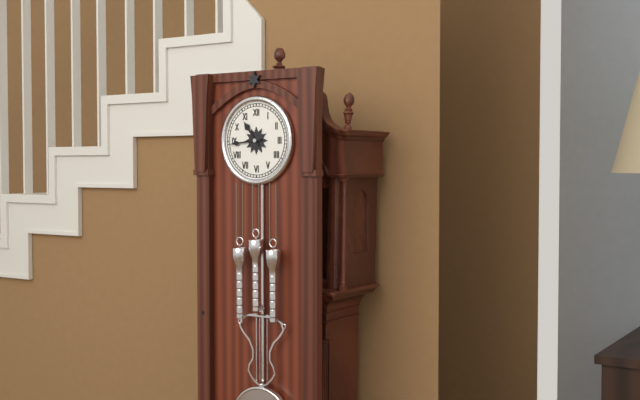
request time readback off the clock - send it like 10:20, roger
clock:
10:44
